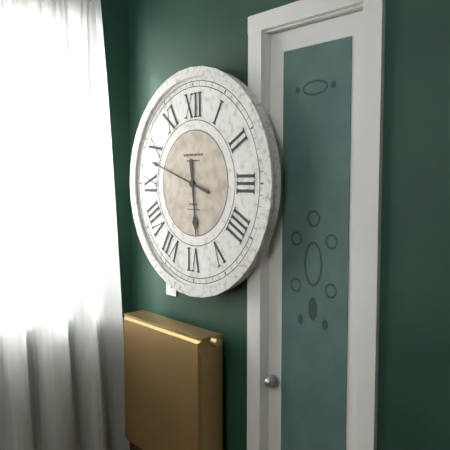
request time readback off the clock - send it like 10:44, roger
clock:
5:48
